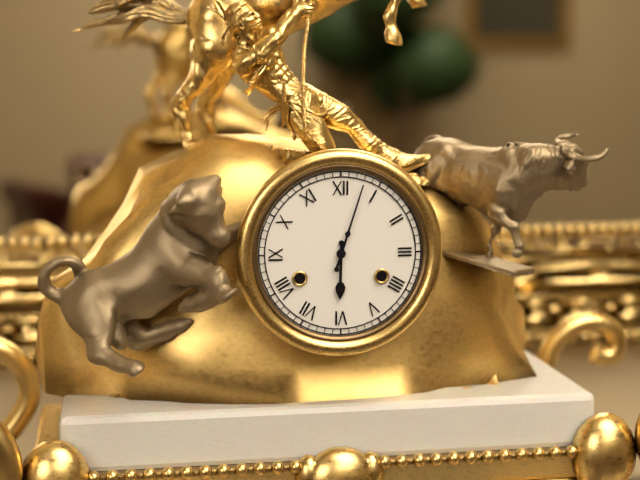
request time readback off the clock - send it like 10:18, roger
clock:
6:03
